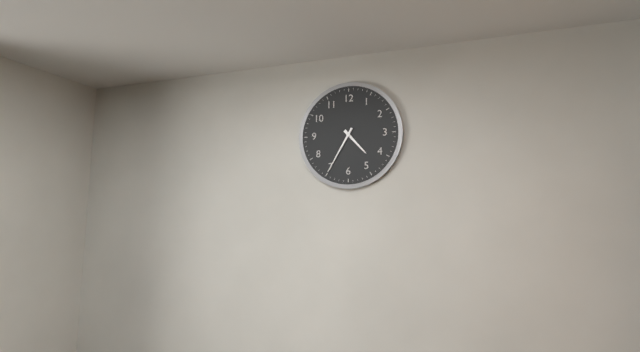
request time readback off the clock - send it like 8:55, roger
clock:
4:35
